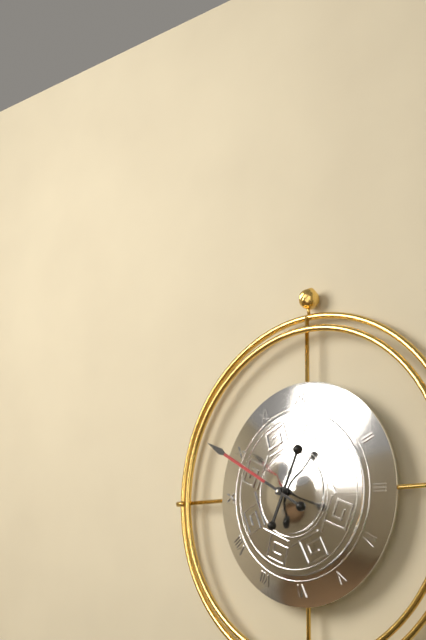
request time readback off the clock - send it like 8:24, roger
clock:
12:50
